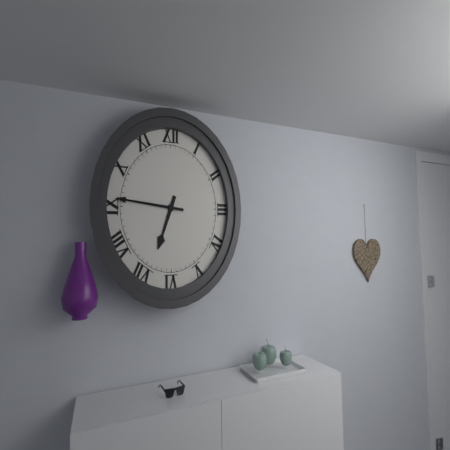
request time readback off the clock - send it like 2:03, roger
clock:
6:46
